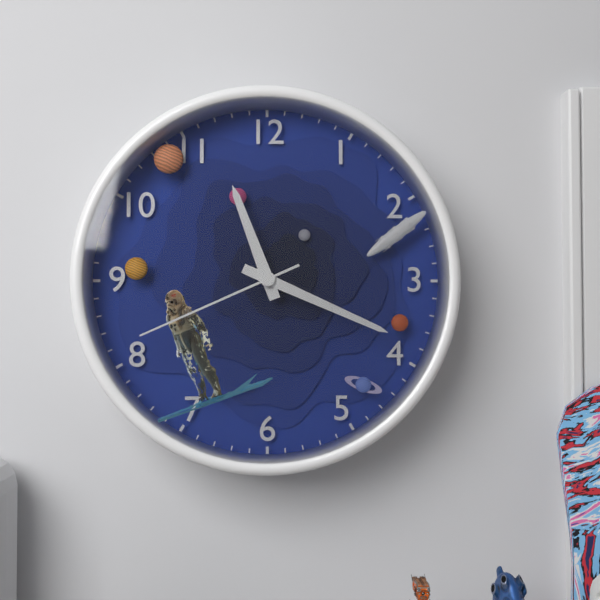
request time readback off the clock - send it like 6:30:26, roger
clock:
11:19:41
